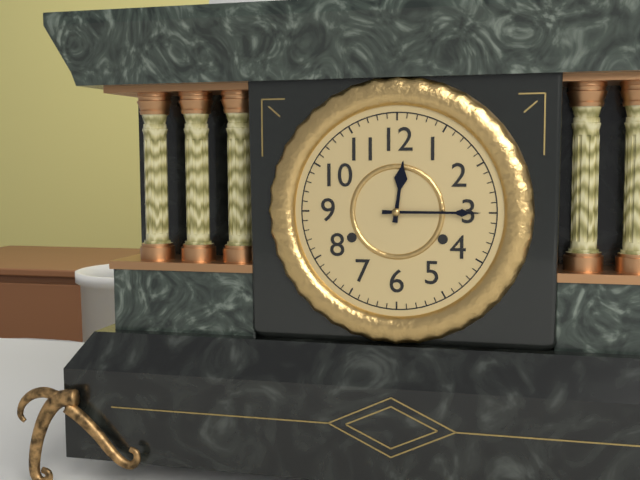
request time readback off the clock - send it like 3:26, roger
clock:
12:15
